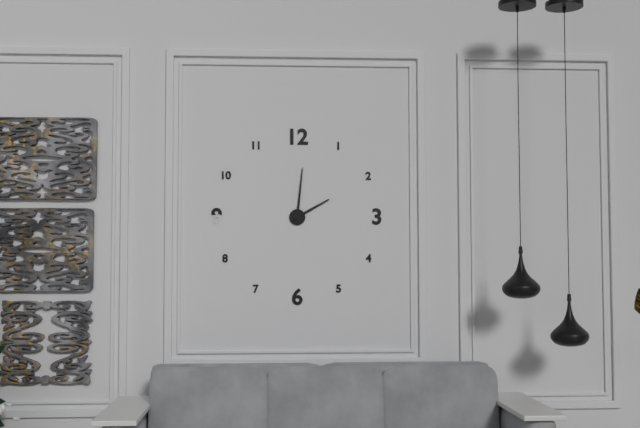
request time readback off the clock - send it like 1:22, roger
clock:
2:01
